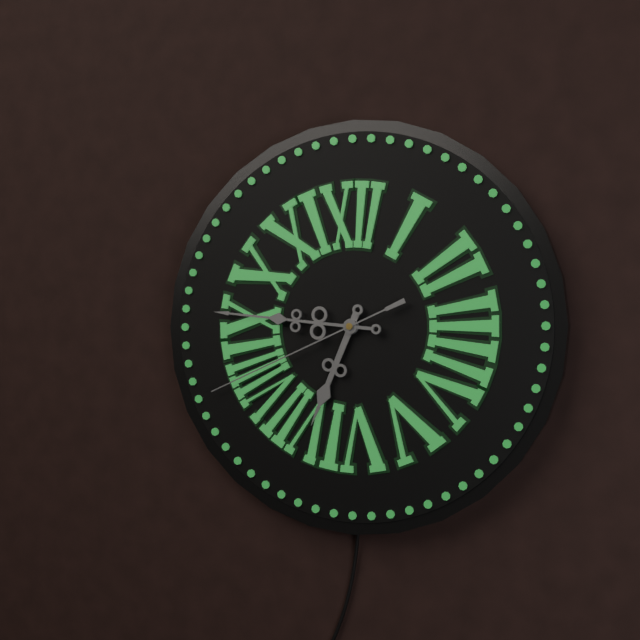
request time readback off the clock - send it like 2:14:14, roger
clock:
6:46:41
